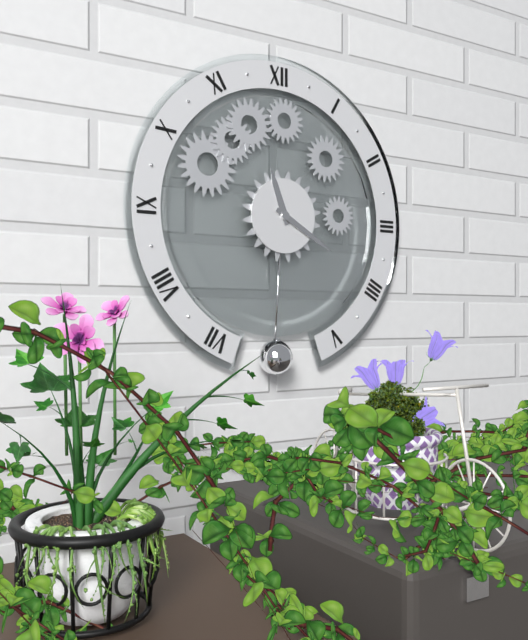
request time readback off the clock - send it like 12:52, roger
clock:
11:20
